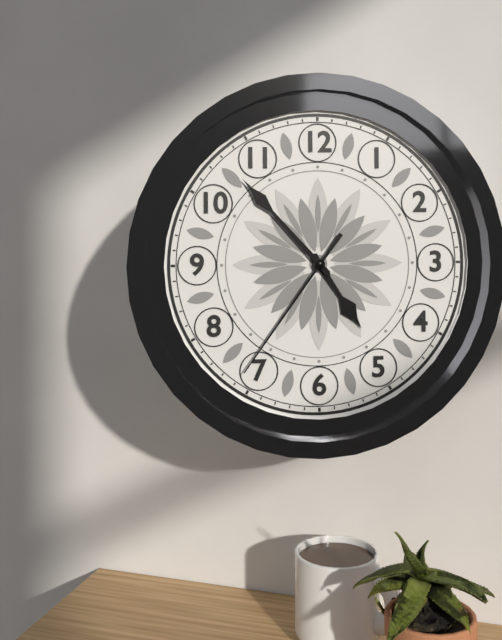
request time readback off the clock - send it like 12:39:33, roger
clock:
4:53:36
